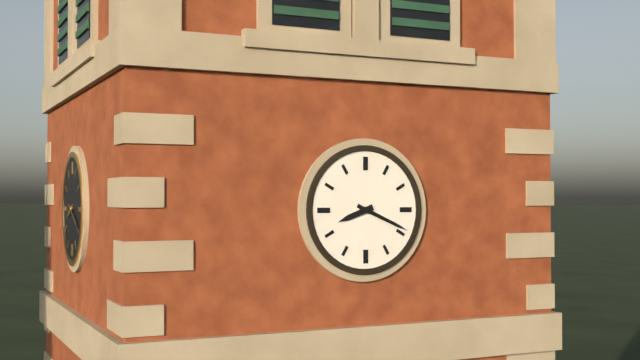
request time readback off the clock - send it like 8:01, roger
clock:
8:19
